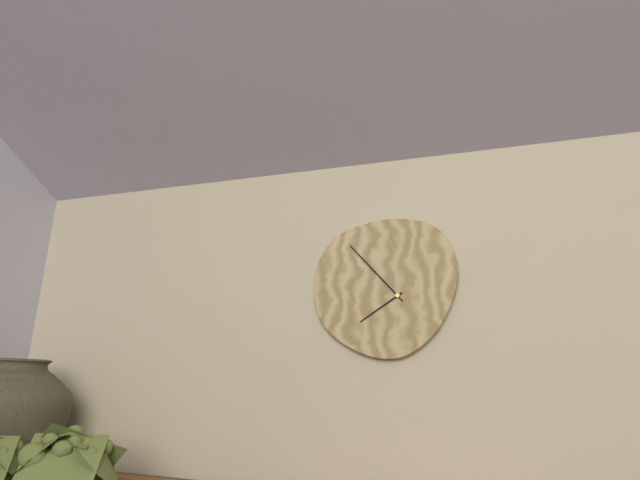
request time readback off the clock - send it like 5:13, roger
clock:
7:53
